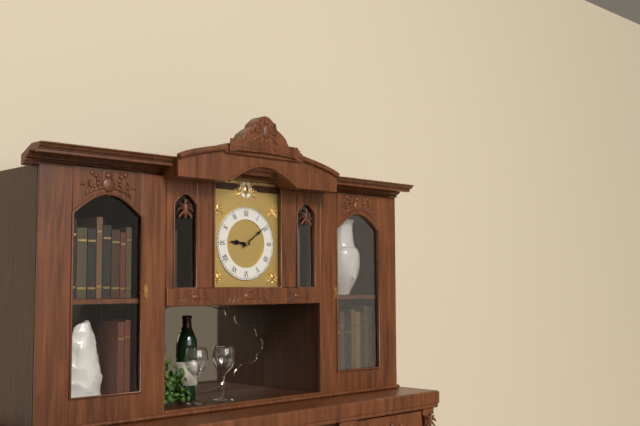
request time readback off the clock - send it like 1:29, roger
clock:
9:09
